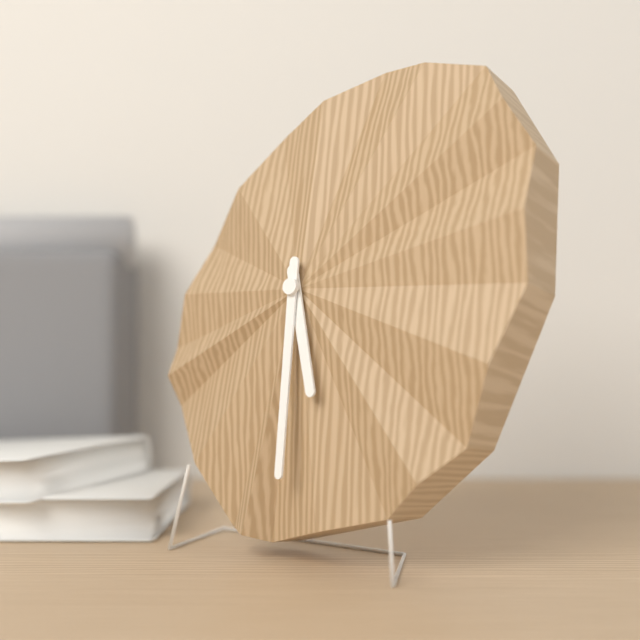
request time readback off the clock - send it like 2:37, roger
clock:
5:30
